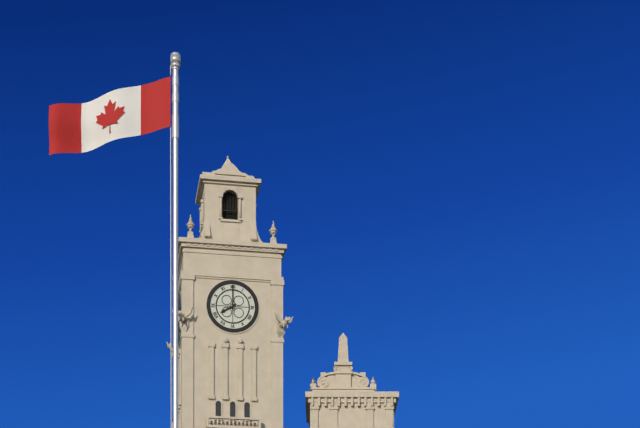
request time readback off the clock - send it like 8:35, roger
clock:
8:00
